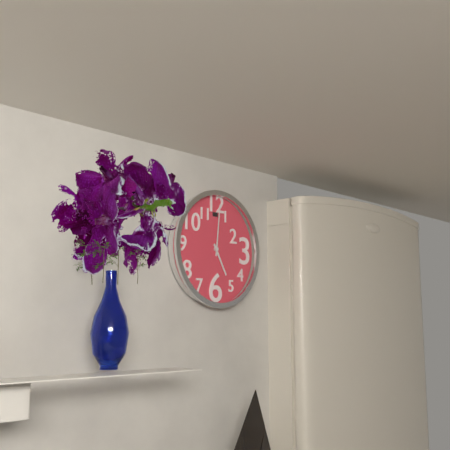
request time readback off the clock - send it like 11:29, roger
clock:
5:01
